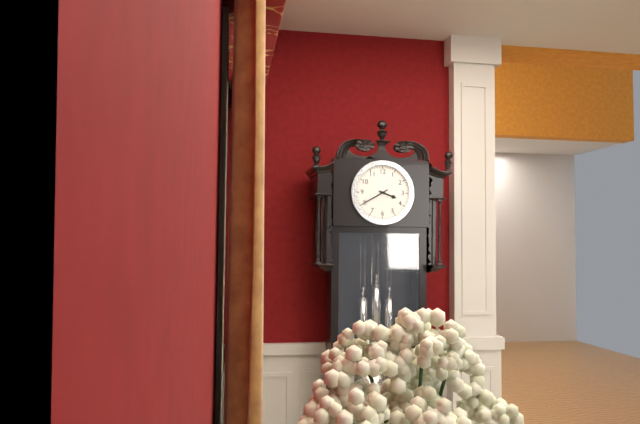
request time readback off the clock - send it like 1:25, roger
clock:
3:40
